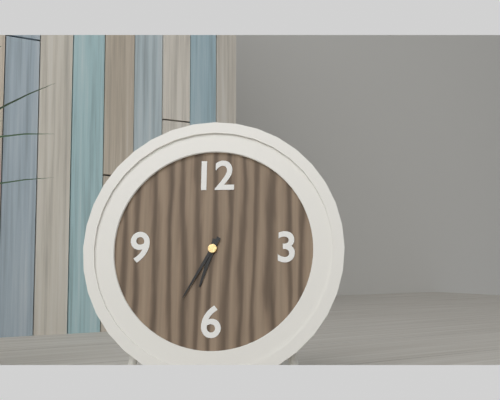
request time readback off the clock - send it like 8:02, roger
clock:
6:35
